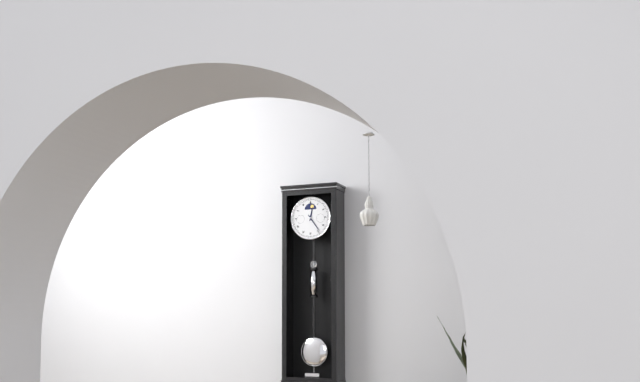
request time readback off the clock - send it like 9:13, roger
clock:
12:24
